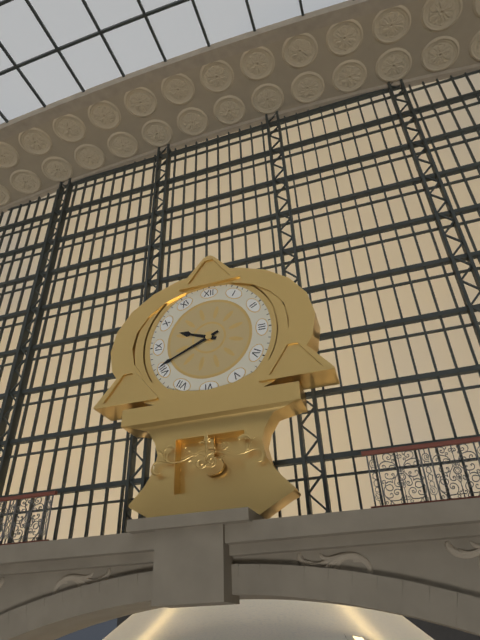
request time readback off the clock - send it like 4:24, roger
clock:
9:41
